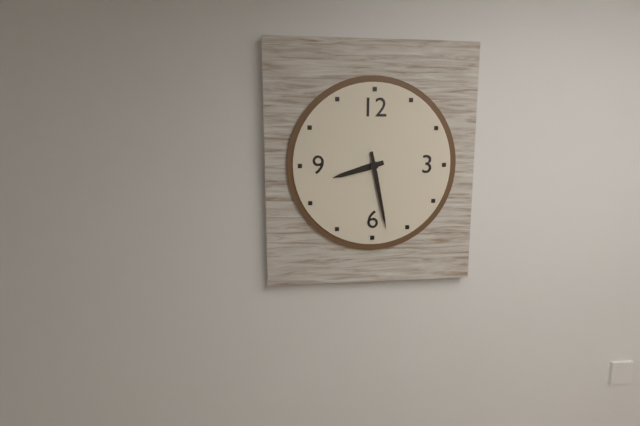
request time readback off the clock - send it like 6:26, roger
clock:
8:28
